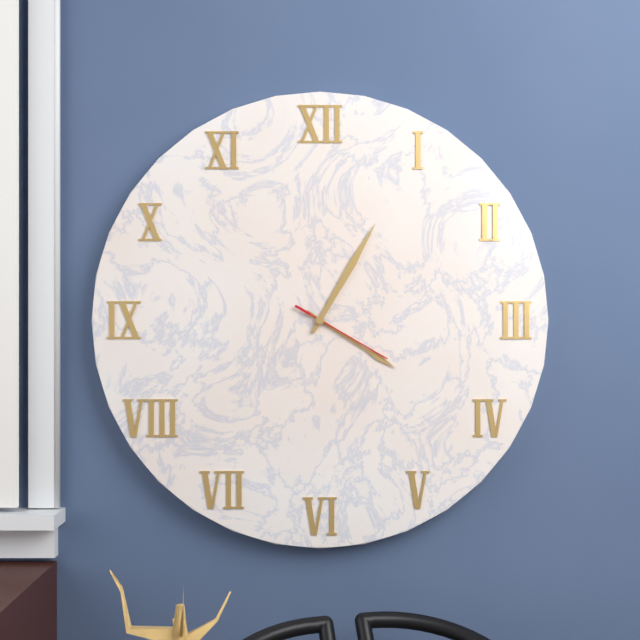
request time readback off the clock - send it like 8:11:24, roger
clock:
4:05:20
